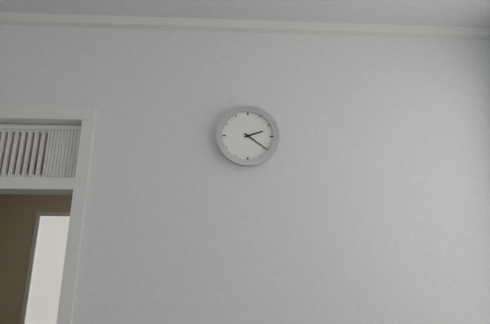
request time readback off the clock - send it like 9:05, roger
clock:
2:21
